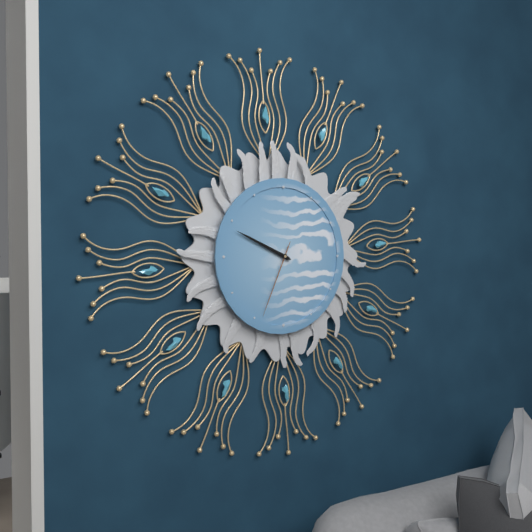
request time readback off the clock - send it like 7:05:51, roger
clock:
9:49:34
